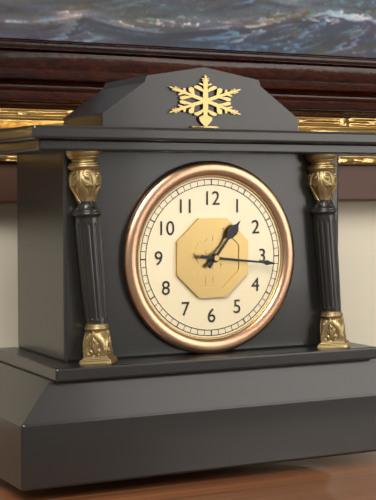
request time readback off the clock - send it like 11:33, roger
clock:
1:16
